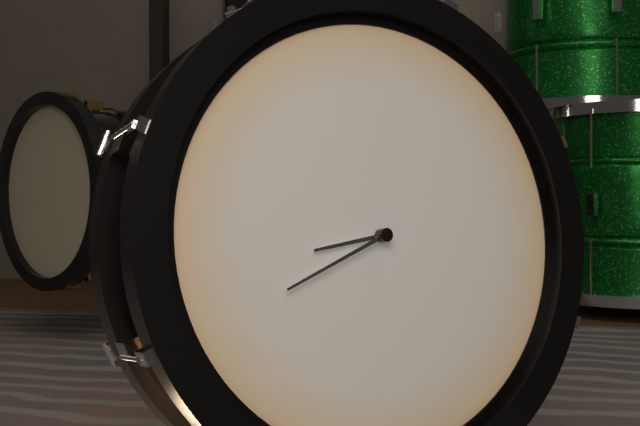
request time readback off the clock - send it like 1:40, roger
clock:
8:41
